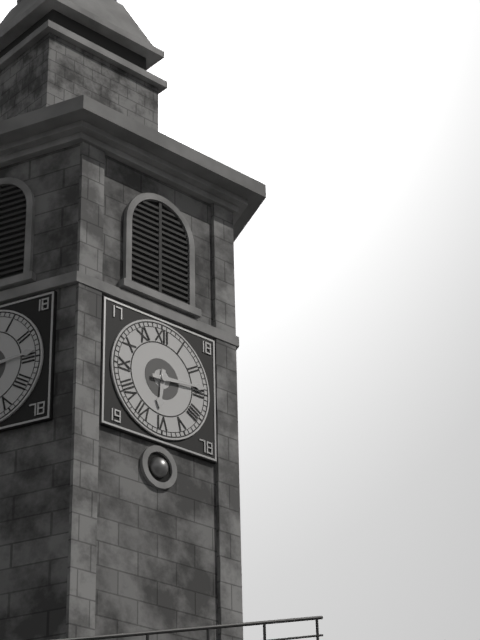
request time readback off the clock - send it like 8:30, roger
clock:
6:14
